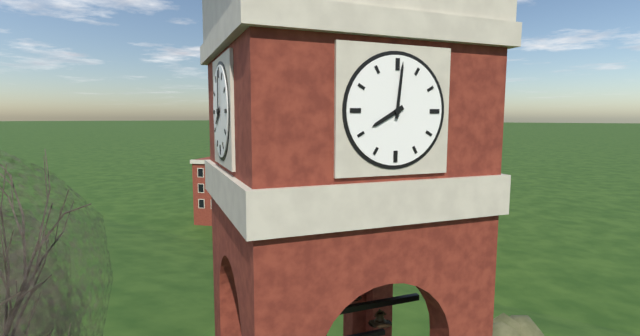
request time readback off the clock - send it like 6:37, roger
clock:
8:01
